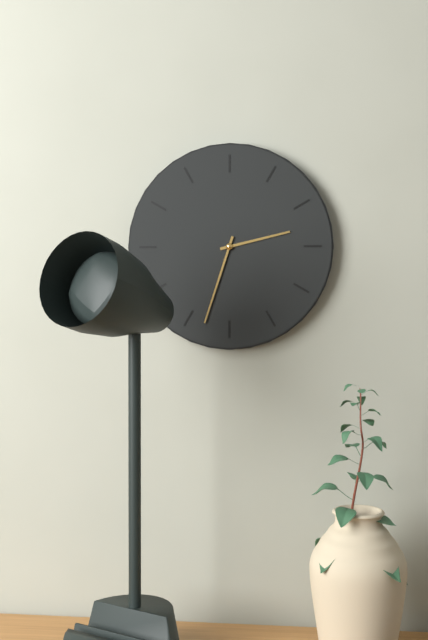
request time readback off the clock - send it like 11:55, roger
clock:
2:33
